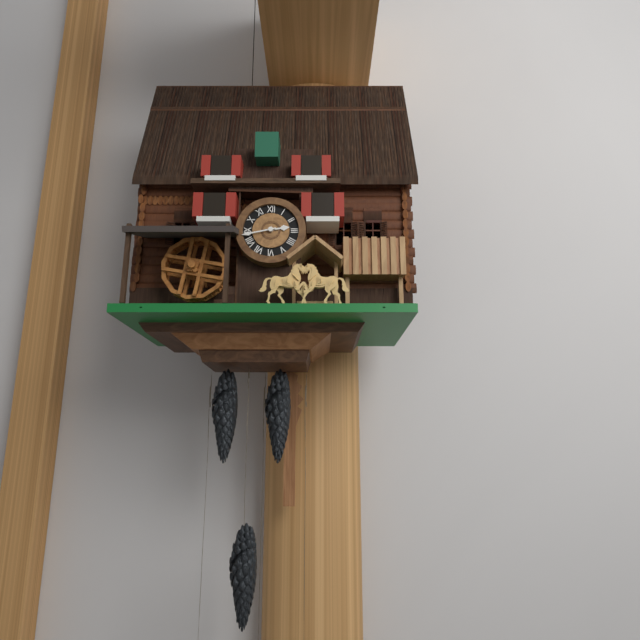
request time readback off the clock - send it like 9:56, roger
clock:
2:43
